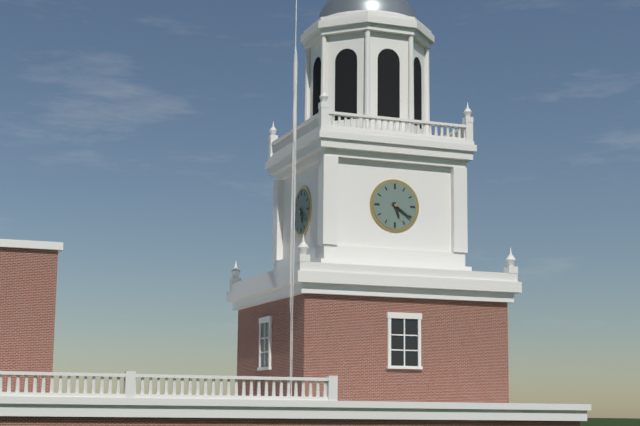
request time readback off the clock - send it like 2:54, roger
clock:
5:21
